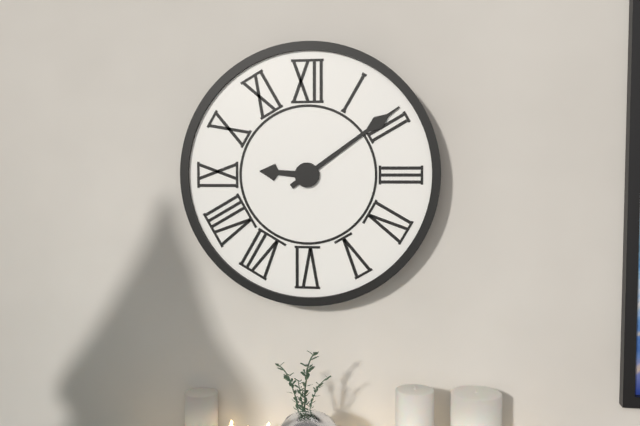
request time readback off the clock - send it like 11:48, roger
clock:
9:09
